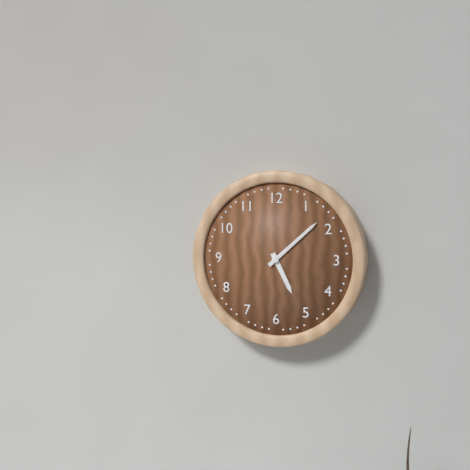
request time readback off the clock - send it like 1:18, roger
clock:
5:08
